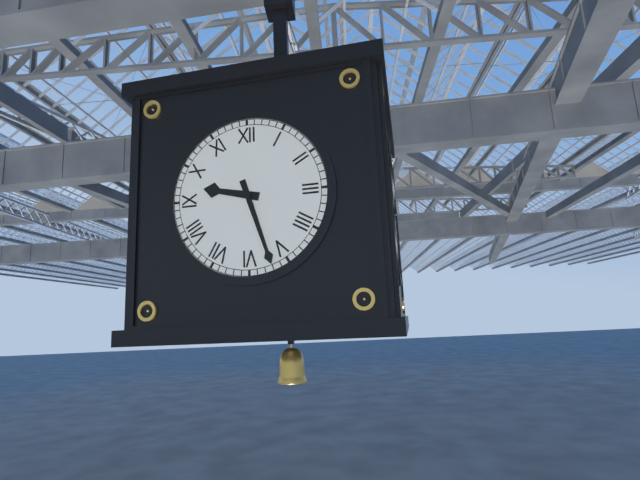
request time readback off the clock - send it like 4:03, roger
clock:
9:27
